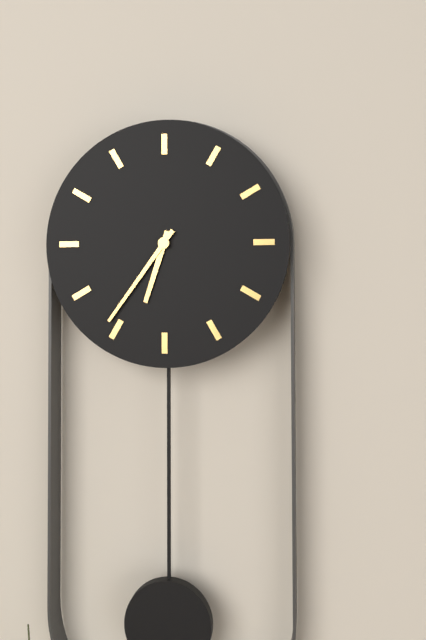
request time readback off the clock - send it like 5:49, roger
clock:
6:36
